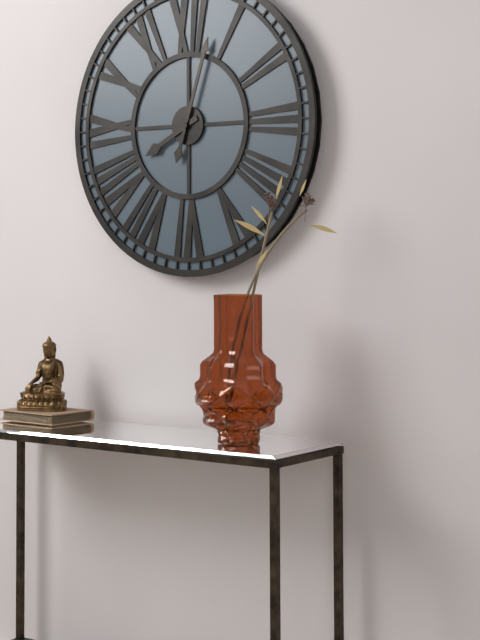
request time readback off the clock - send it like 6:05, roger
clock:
8:03
